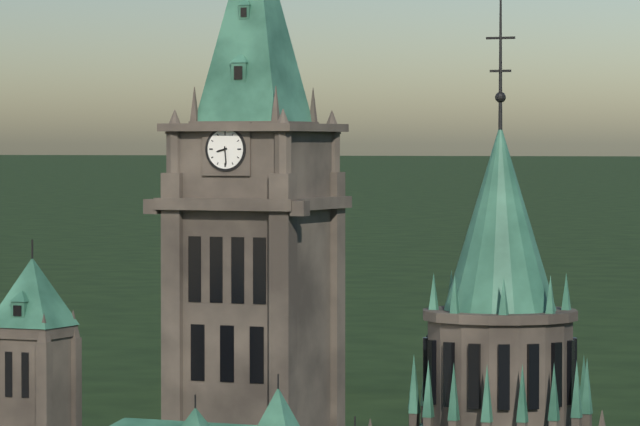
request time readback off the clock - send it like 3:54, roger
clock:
8:29
